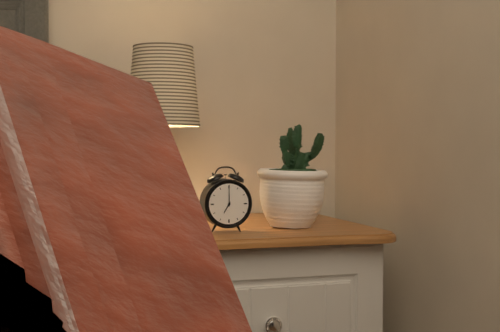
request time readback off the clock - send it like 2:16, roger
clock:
7:00
